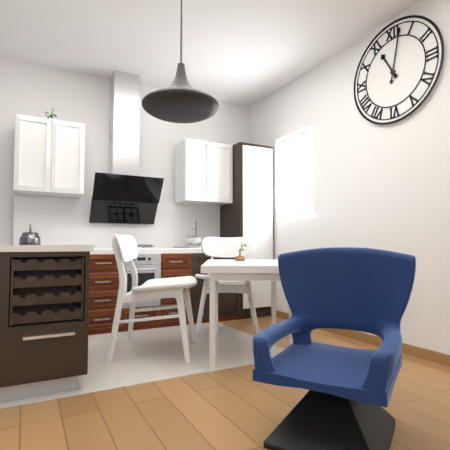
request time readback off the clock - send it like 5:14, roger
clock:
11:02
